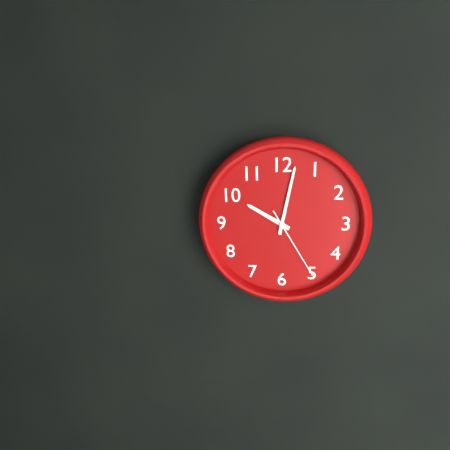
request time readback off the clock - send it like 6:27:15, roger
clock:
10:02:25
